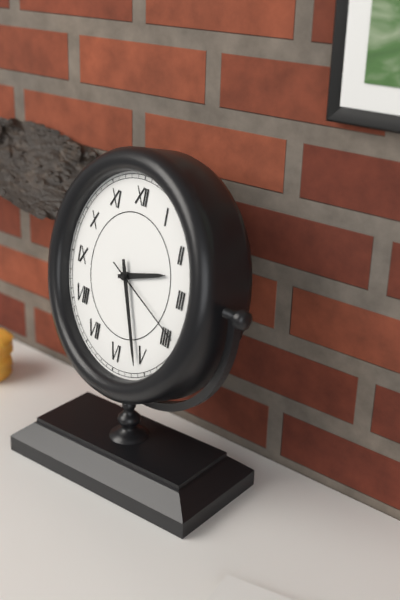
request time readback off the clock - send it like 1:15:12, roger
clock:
2:26:19
